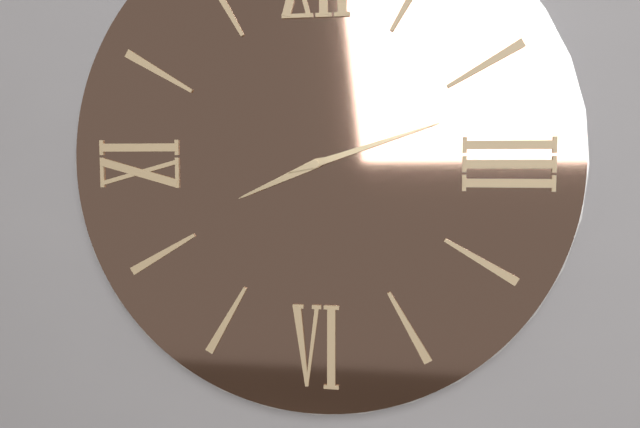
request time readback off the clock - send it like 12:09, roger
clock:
8:12
